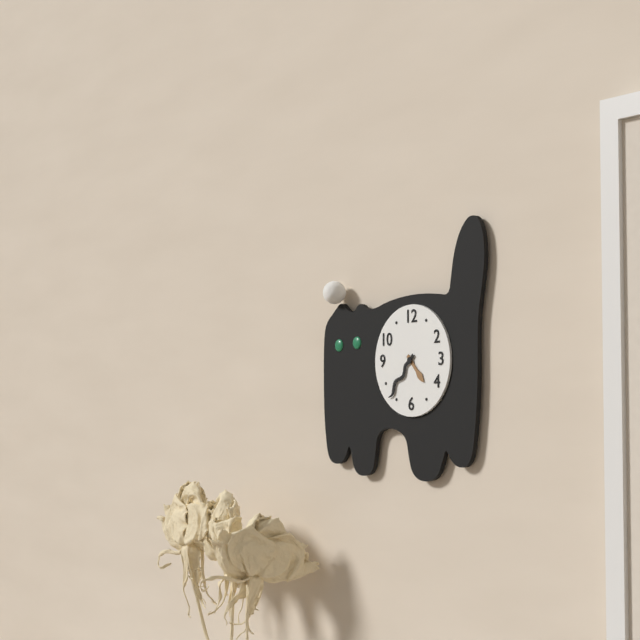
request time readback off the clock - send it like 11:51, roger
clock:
4:37
